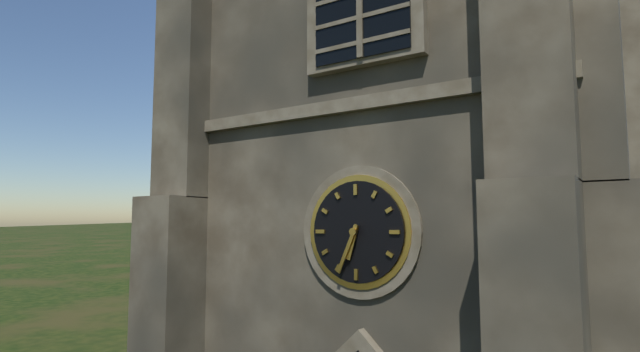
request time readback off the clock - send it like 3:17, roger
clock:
6:34
